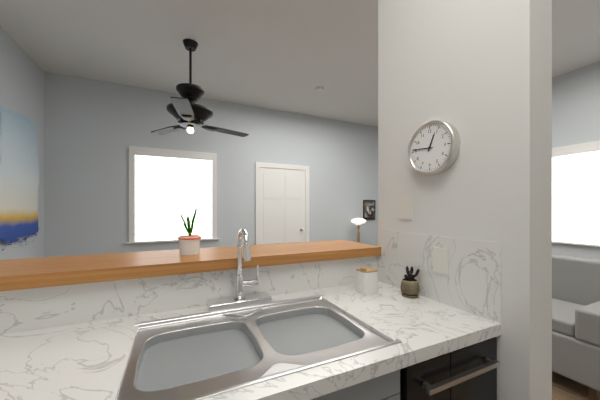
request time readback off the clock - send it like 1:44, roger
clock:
12:46
